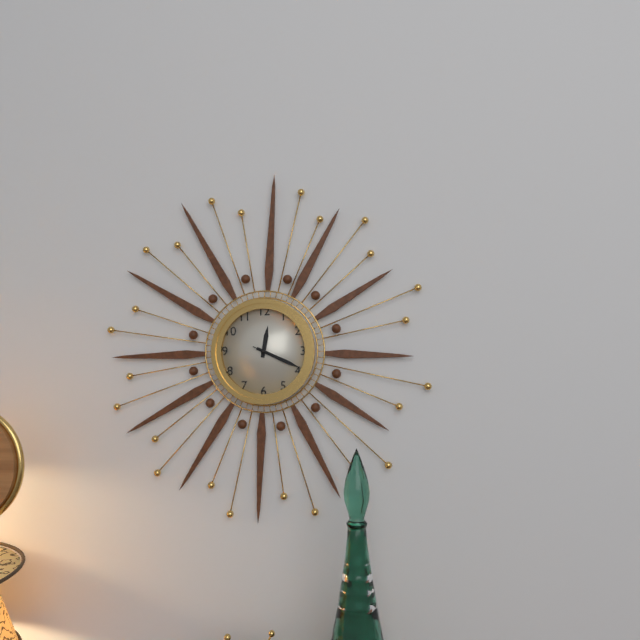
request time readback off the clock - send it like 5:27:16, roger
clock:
12:19:19
